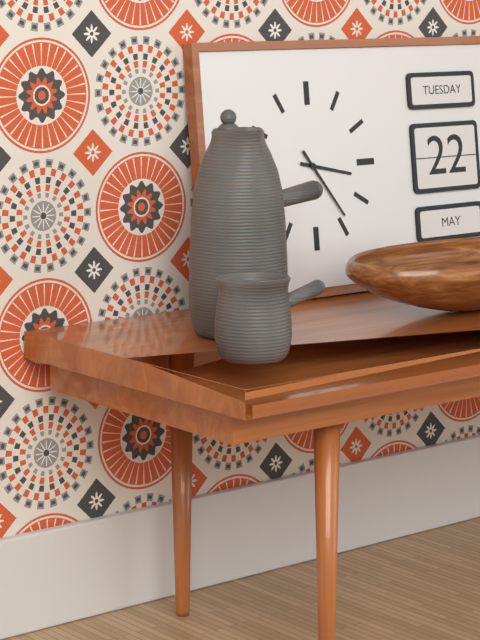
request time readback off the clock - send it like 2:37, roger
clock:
3:24
